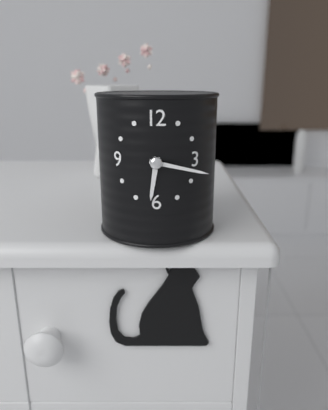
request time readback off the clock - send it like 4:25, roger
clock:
6:17
